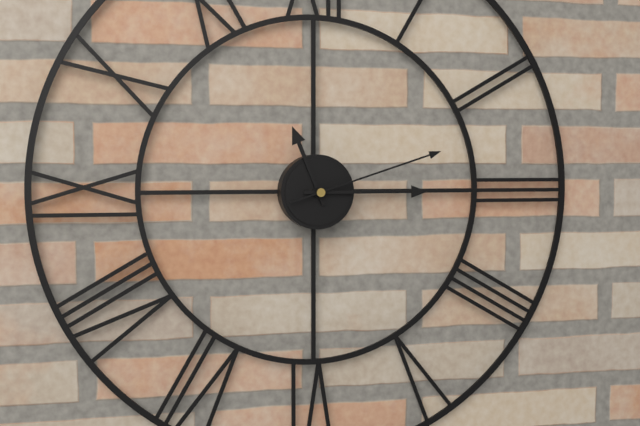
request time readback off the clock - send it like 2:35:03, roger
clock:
11:15:12
